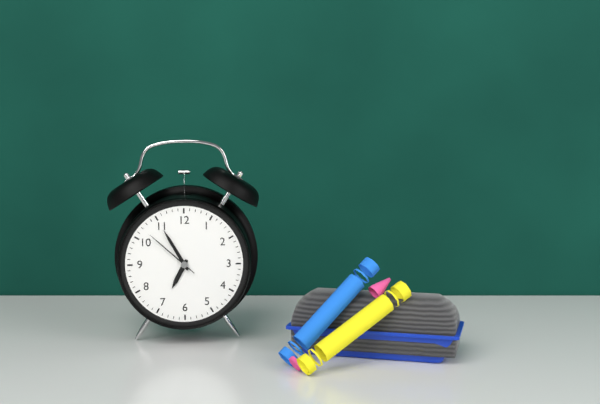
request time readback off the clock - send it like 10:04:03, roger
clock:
6:55:52
